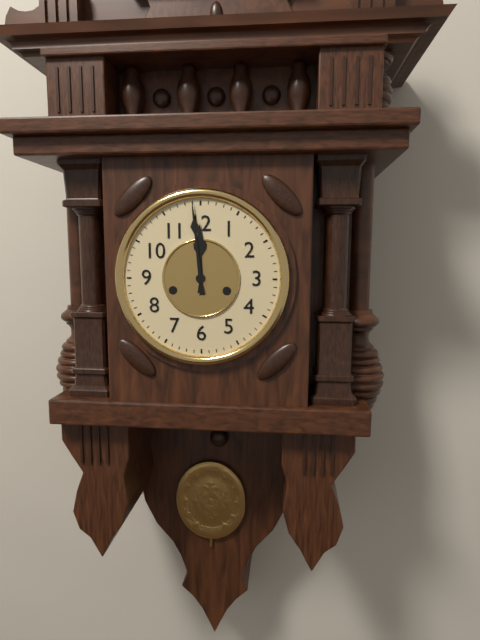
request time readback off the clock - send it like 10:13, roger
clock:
11:59
